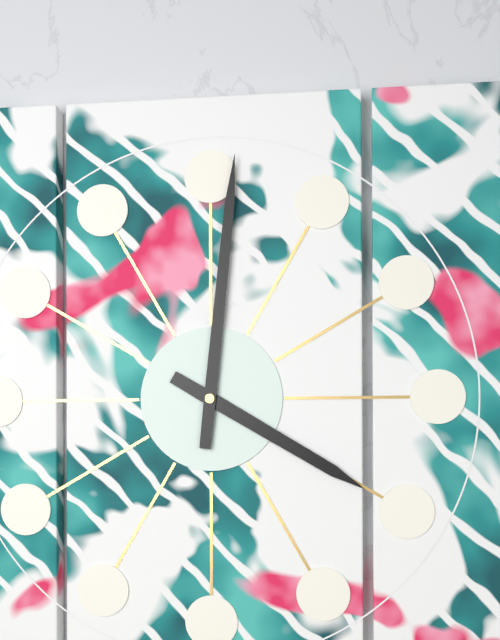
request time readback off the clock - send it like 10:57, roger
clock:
4:01
